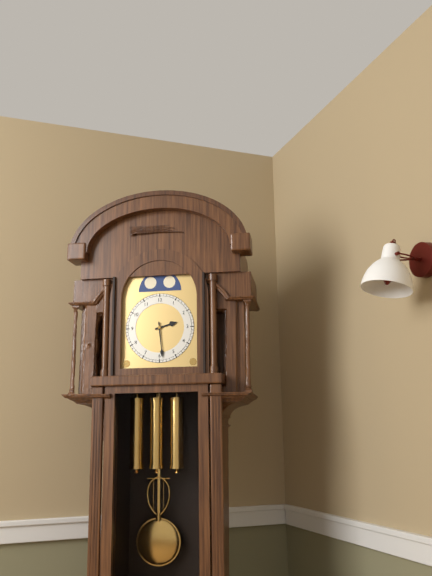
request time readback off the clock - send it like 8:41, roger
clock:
2:29
